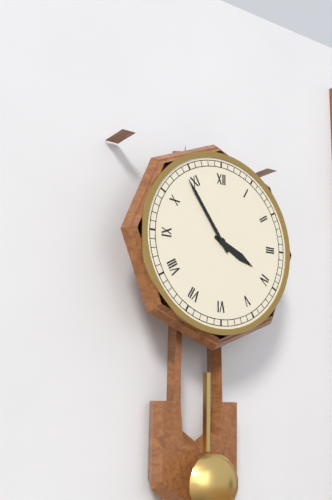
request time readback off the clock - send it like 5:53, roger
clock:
3:54
